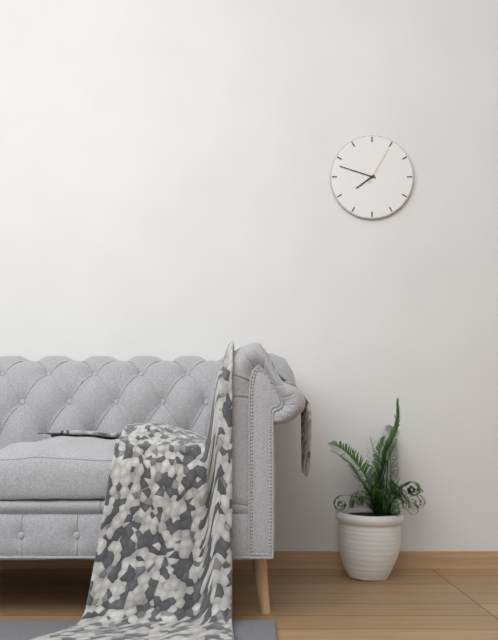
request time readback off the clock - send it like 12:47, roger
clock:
7:48
